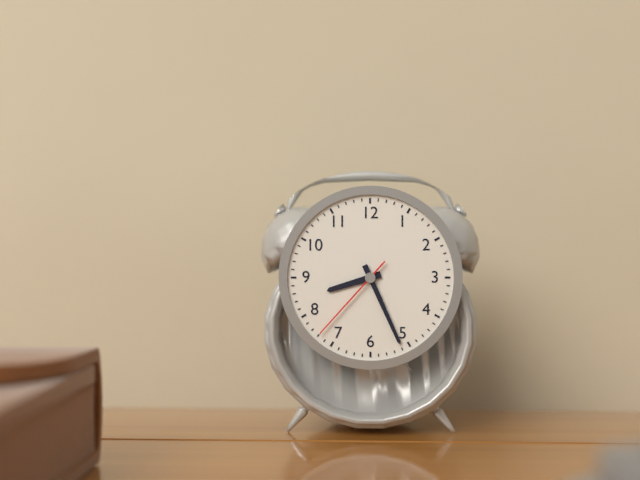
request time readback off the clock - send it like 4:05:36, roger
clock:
8:26:37
